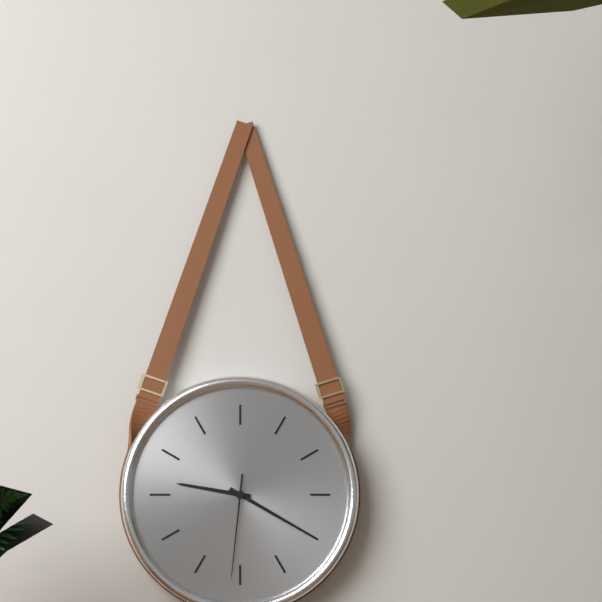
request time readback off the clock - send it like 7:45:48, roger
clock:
9:20:31
